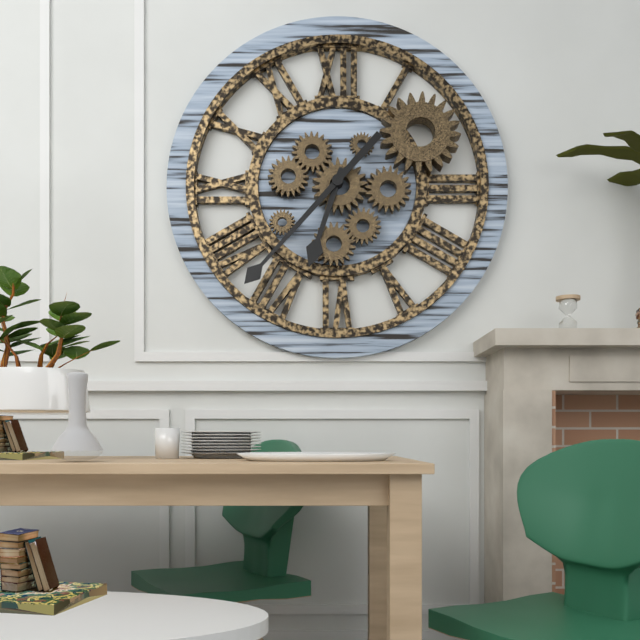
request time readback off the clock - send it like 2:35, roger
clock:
6:37
